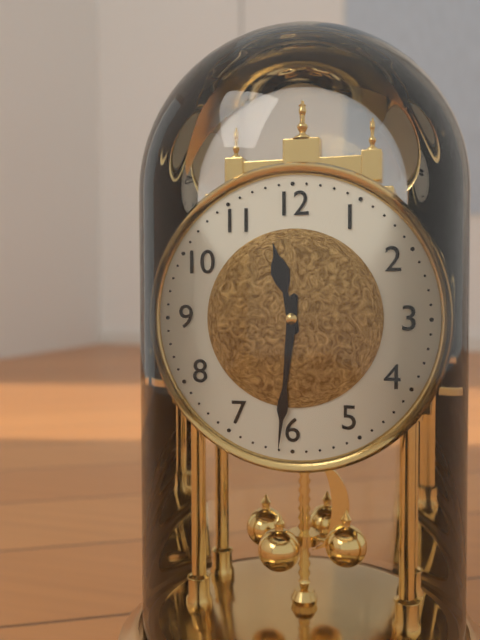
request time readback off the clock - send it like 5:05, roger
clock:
11:31
